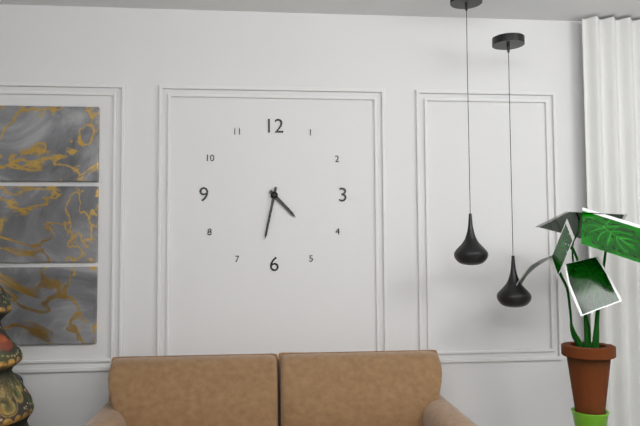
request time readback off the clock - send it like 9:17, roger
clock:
4:32
